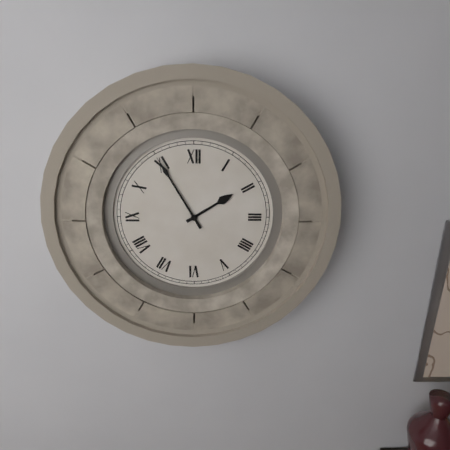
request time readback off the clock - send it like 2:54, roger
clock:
1:55
